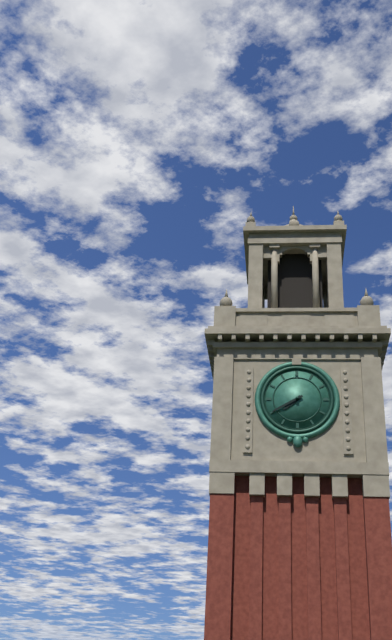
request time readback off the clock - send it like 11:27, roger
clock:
7:40
